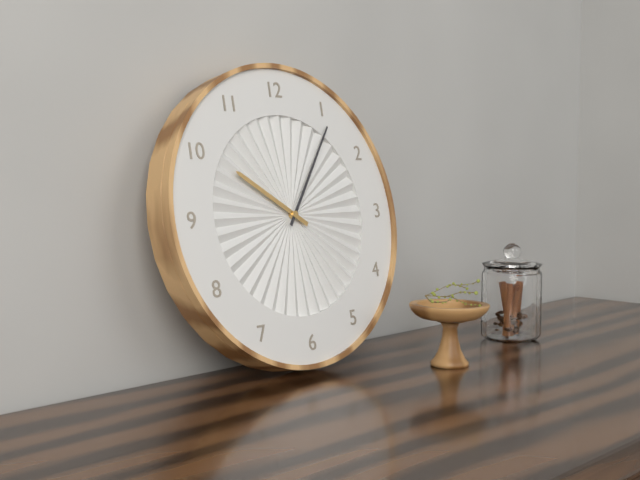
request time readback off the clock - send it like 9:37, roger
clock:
10:06
